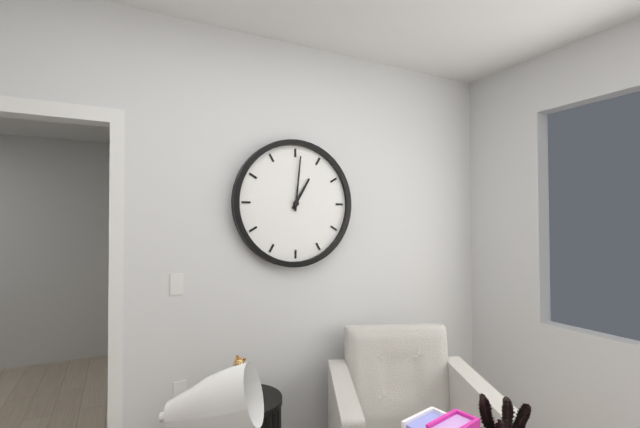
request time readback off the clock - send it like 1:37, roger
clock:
1:01
